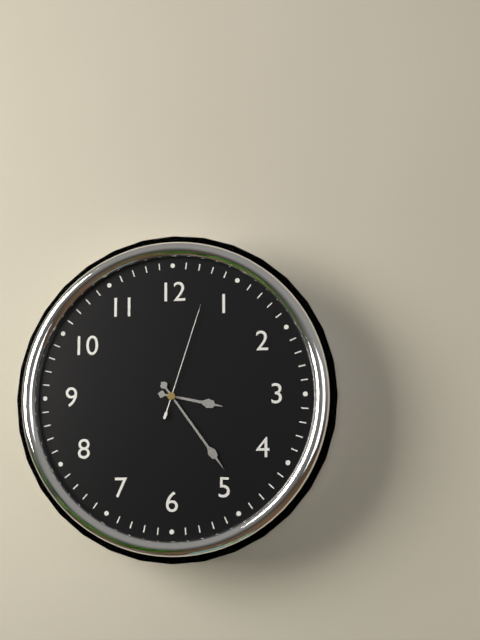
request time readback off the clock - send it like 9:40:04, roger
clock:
3:24:03
